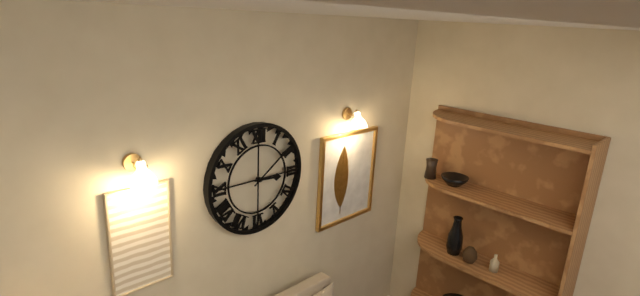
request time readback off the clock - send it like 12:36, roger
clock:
3:09
